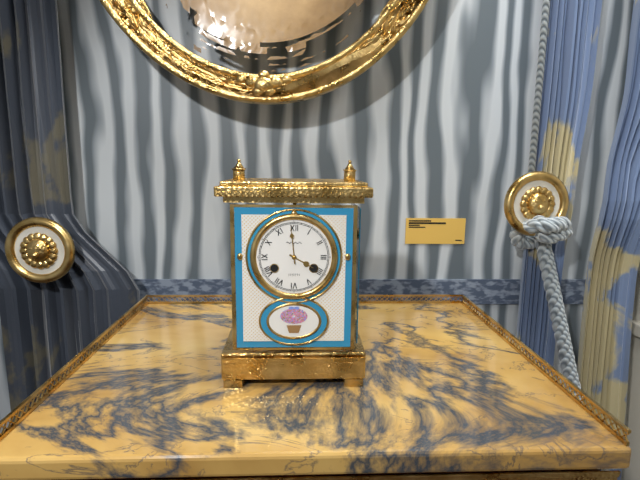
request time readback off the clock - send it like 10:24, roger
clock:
3:59
